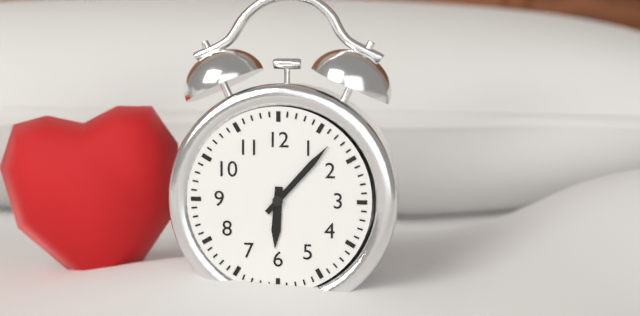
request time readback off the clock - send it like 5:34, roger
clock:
6:07
